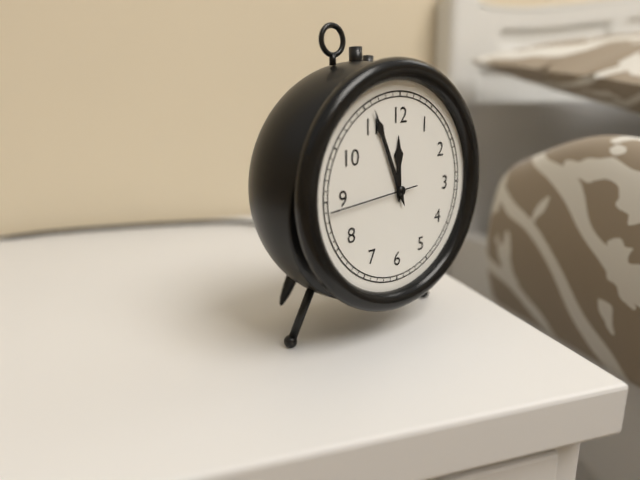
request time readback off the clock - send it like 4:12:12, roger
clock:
11:56:44
